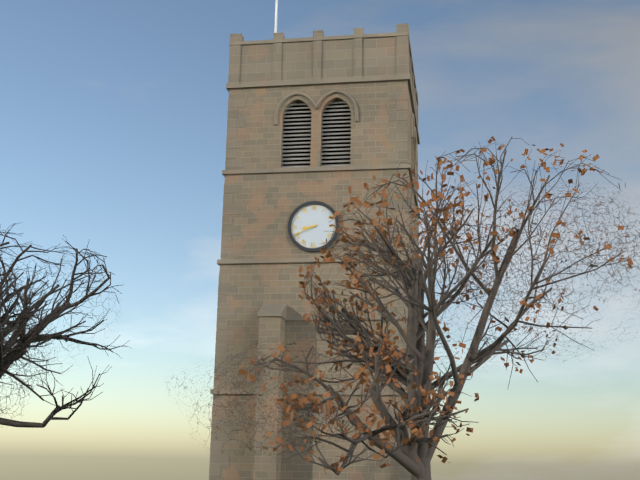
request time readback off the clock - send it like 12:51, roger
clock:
8:41
